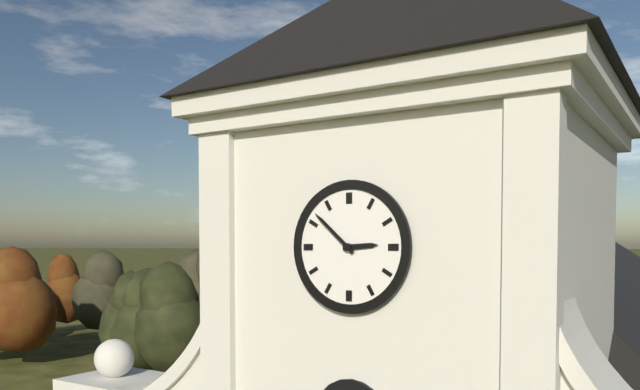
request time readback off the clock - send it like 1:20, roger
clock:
2:52
